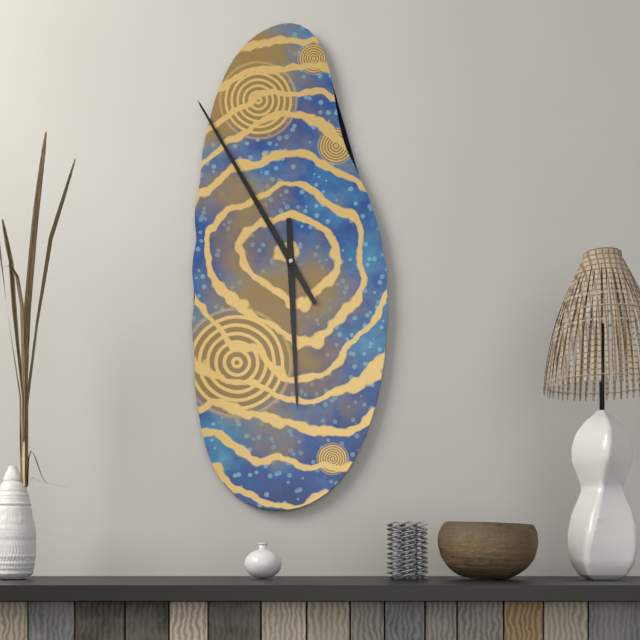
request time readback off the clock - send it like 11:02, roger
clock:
5:55
